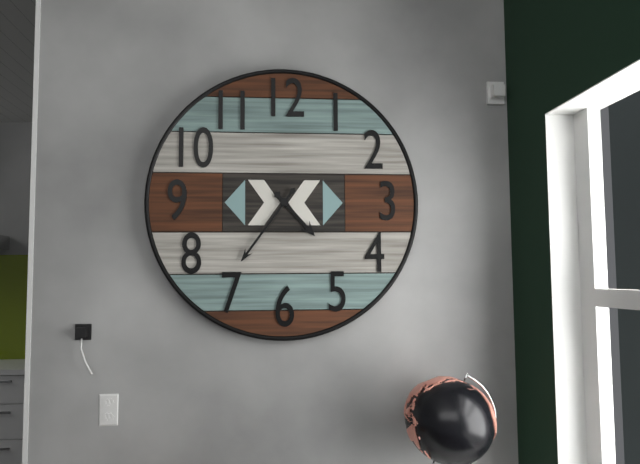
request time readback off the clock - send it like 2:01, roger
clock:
4:36
